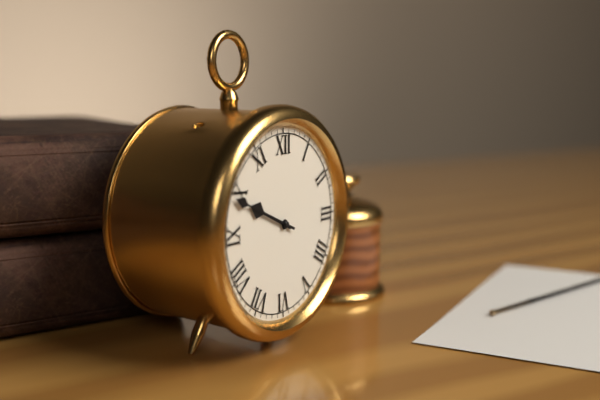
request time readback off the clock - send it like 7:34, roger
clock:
9:49
